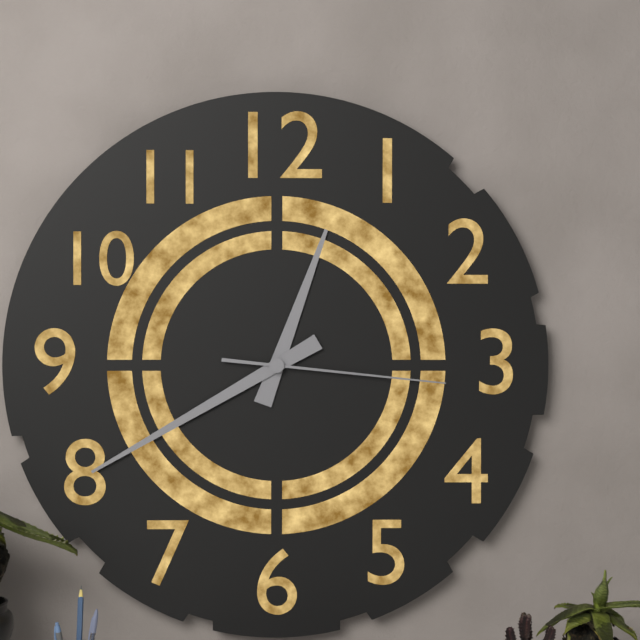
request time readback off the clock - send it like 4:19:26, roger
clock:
12:40:16
